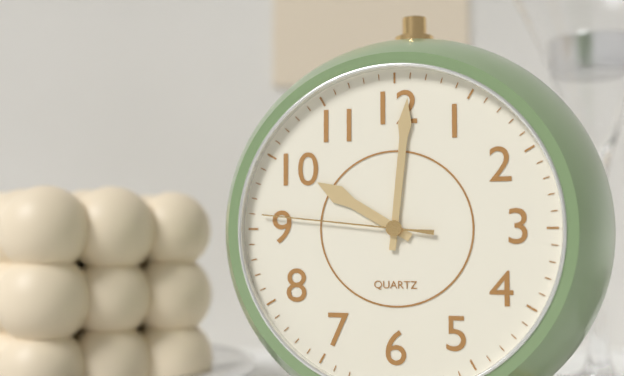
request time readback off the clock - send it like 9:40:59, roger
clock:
10:01:46
